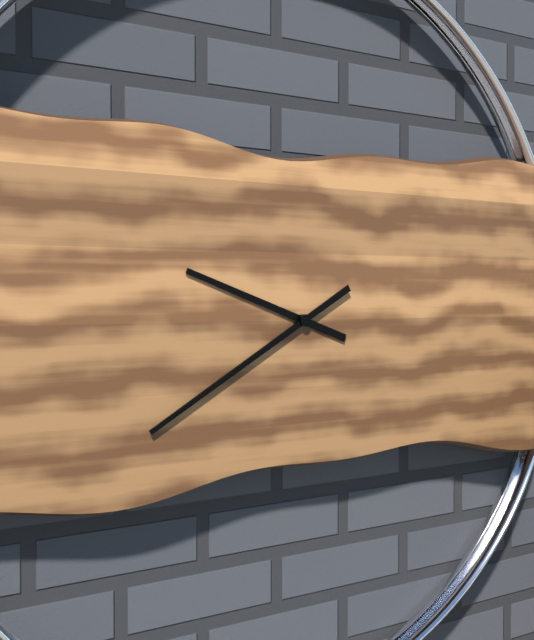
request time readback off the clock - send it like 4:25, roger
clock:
9:40
